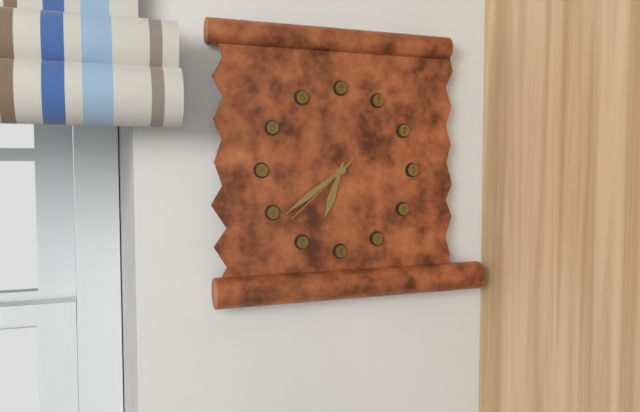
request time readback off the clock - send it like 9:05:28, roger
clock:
6:39:38
